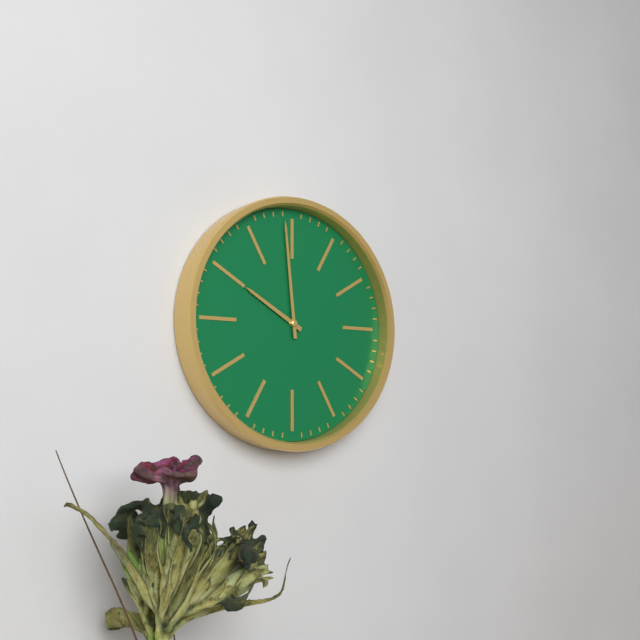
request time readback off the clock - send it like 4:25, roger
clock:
9:59
